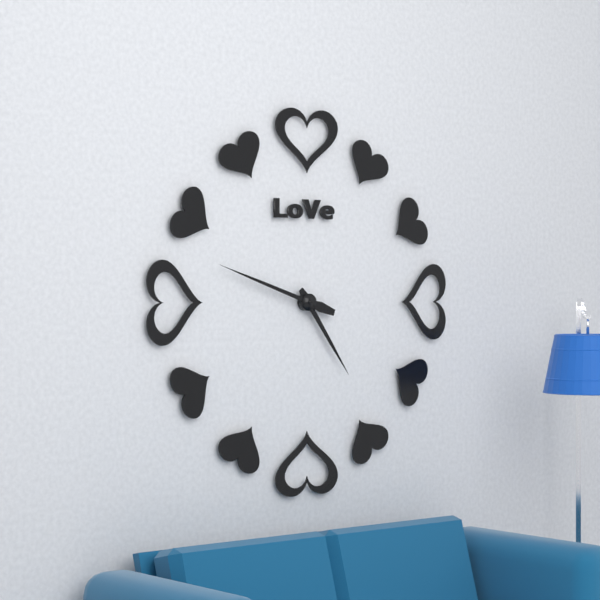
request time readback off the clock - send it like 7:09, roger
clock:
4:48
